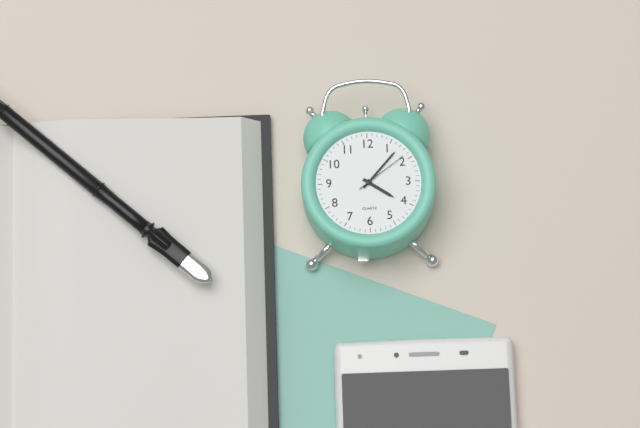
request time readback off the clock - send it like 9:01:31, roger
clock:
4:07:09
